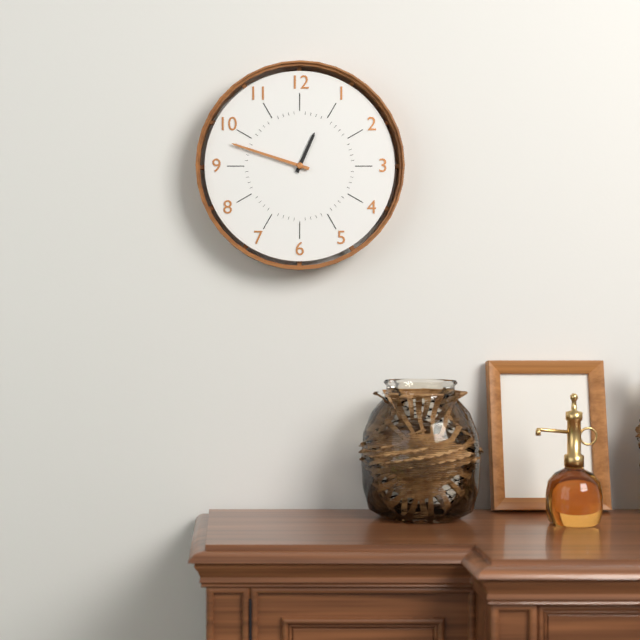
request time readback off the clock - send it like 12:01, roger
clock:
12:48
